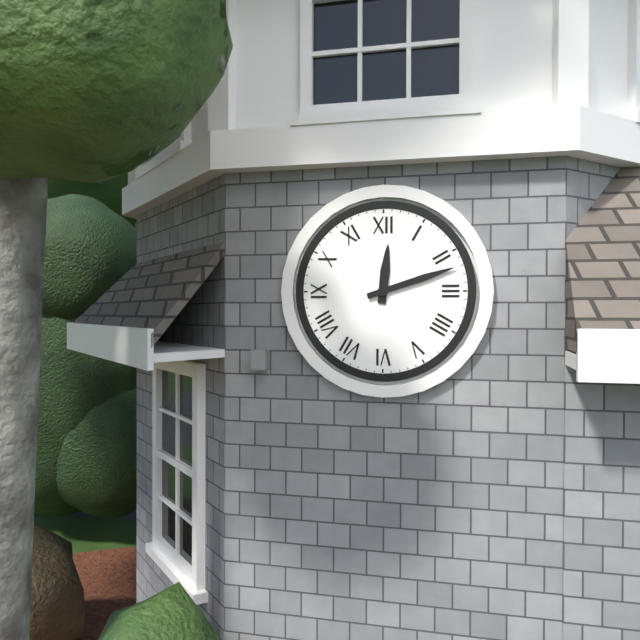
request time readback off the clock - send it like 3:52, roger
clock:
12:12
